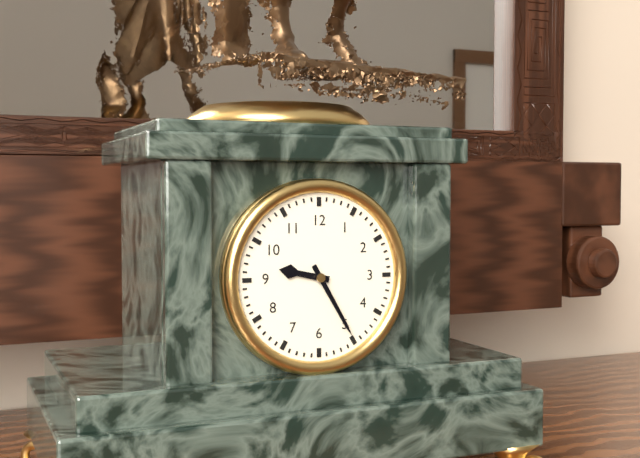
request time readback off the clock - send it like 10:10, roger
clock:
9:25
